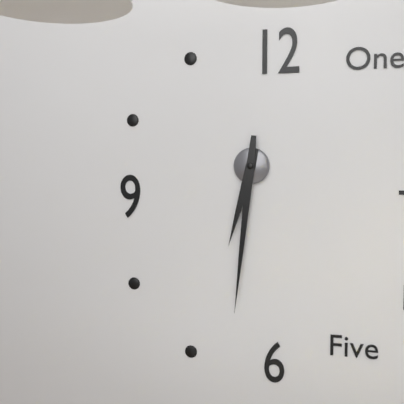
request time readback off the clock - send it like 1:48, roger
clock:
6:31
